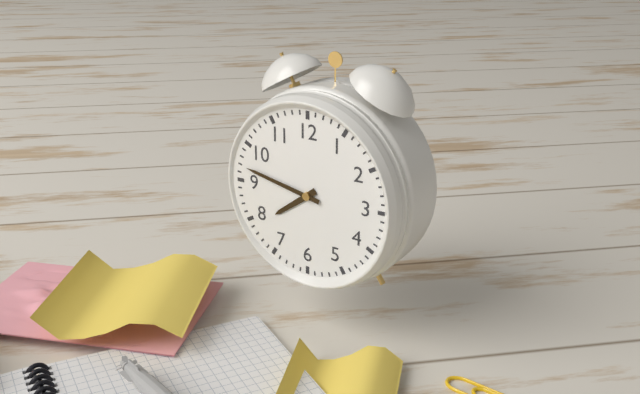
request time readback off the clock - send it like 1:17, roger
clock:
7:47
